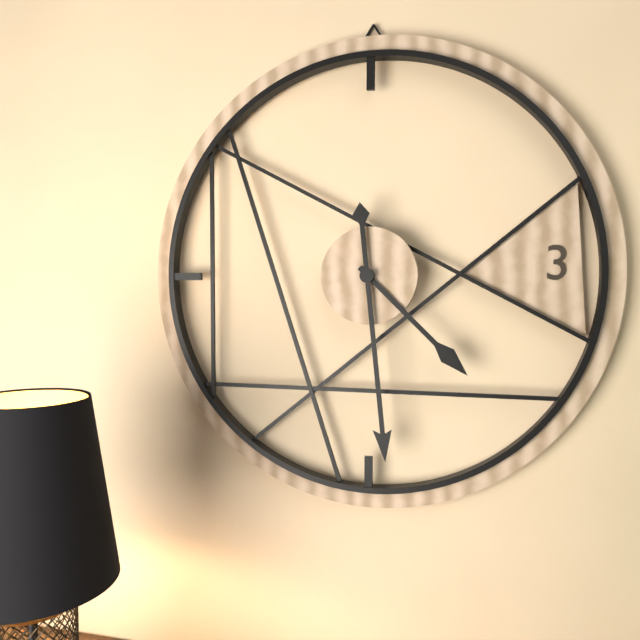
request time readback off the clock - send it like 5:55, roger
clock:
4:29
